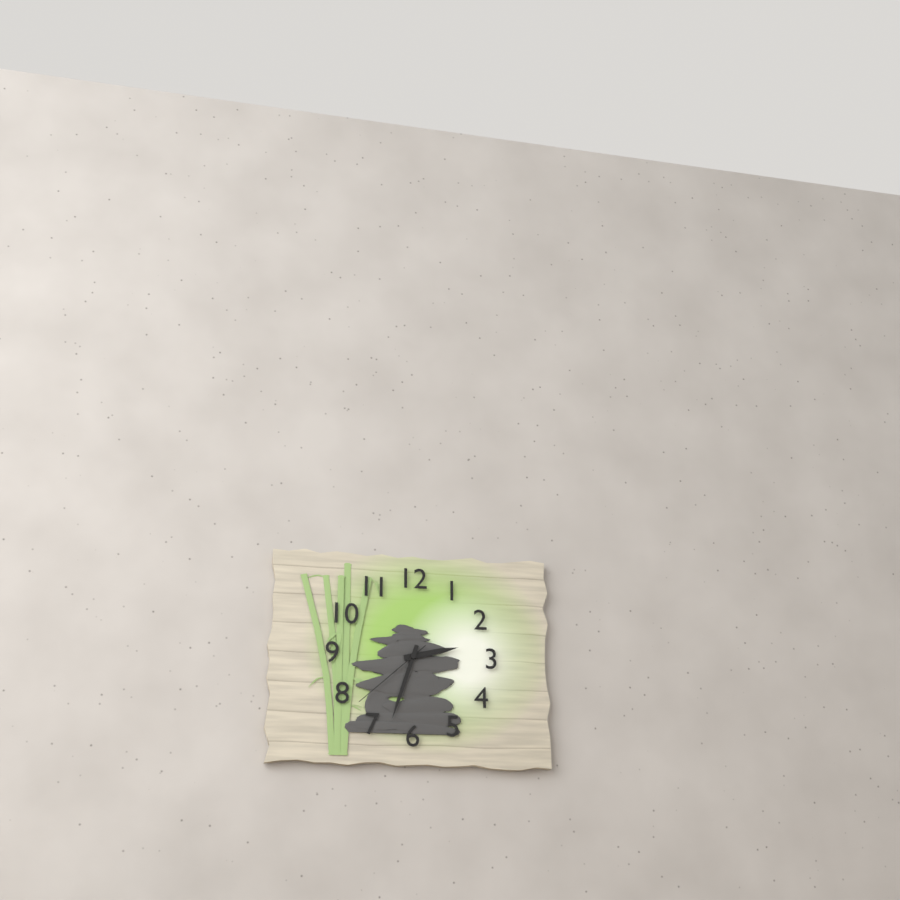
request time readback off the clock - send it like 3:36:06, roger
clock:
2:33:38
